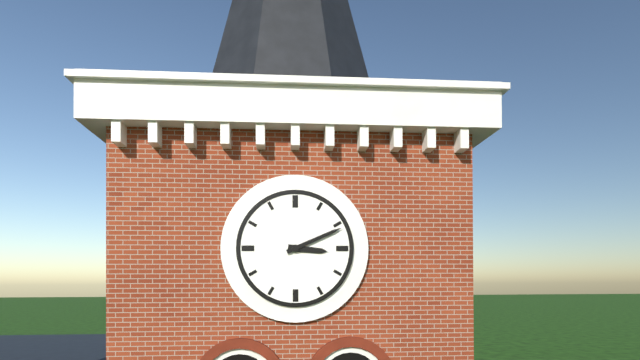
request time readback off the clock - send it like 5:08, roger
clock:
3:11
